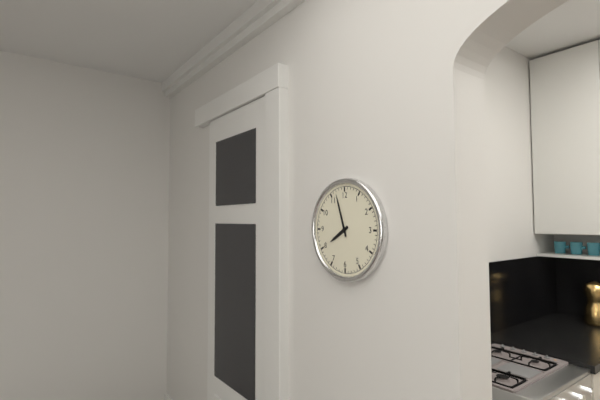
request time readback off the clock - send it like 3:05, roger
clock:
7:57
